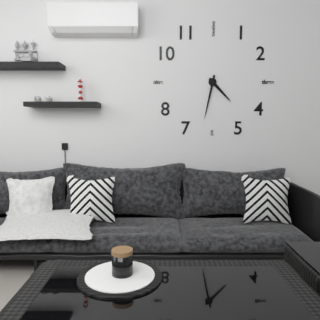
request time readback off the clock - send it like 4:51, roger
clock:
4:32
